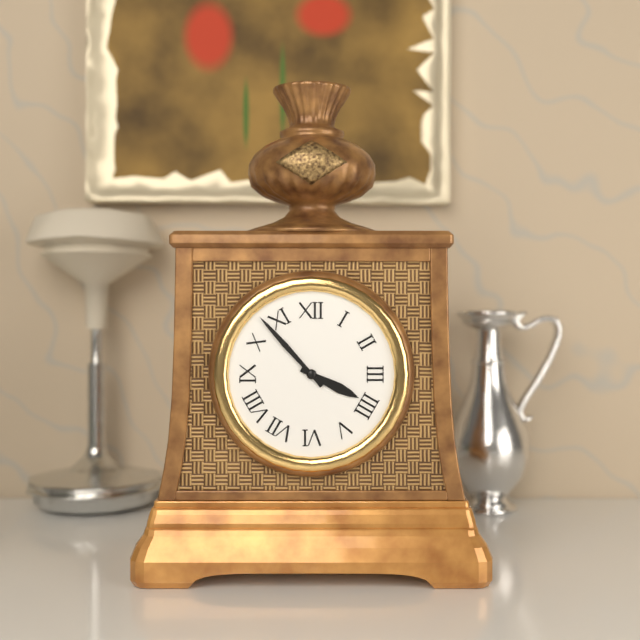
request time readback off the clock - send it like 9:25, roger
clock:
3:53
